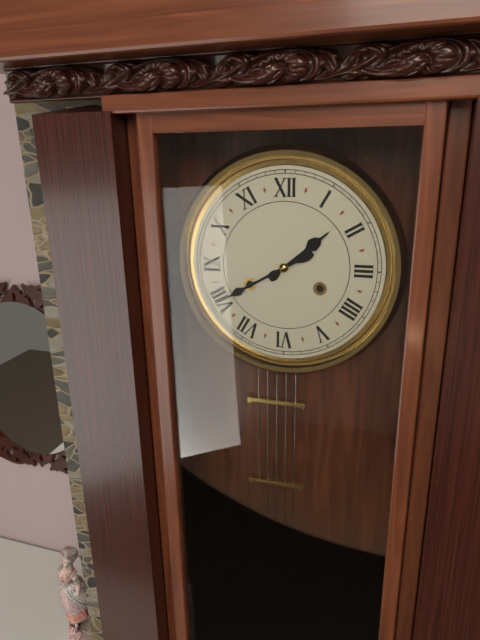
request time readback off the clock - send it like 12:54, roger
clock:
1:40
